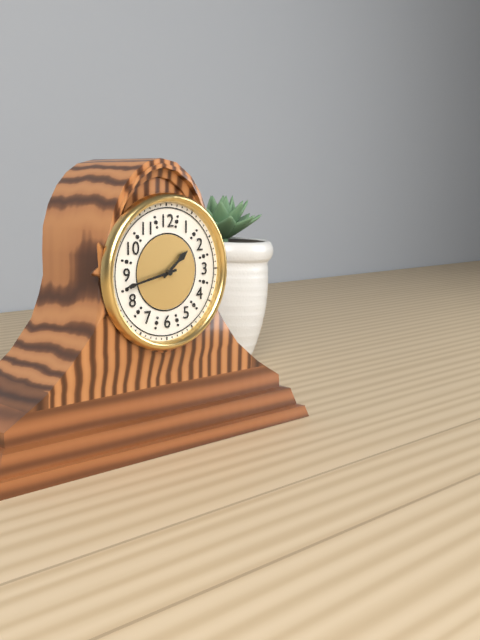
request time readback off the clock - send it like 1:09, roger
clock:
1:43
